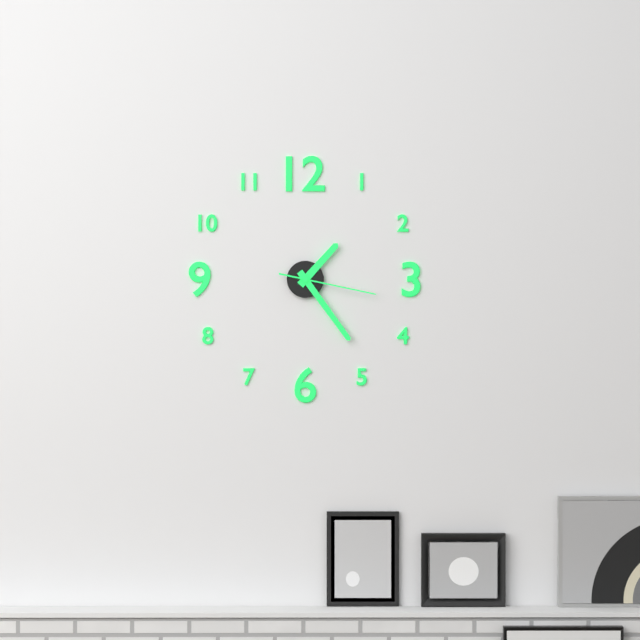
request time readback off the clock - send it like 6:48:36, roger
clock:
1:24:17
